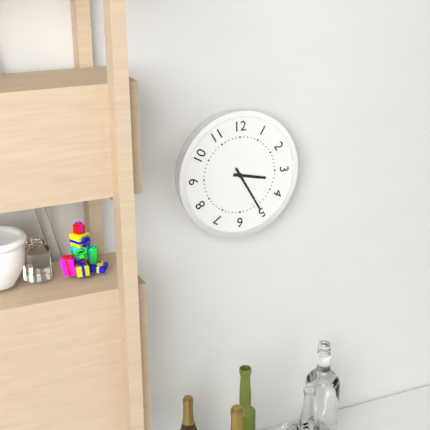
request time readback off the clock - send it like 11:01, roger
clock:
3:25
